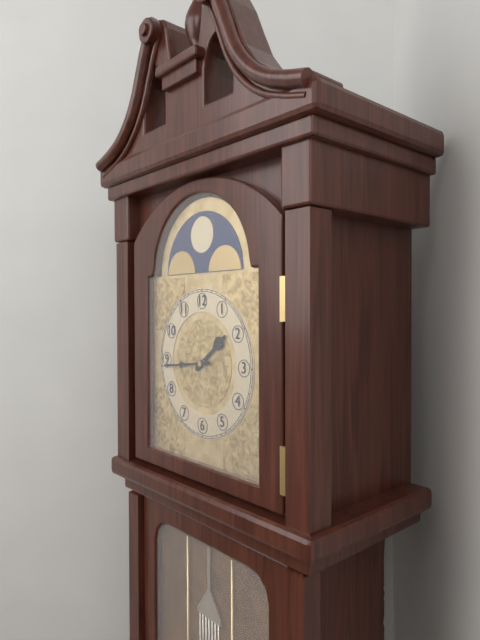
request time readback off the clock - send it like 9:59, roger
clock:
1:44
